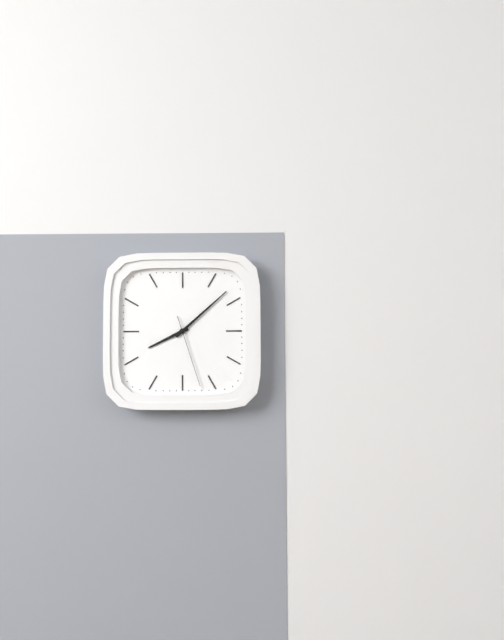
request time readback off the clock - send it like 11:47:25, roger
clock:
8:08:27
